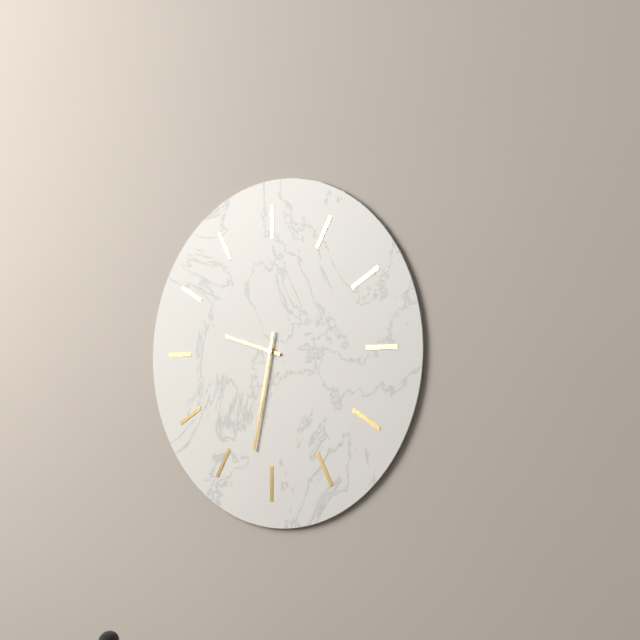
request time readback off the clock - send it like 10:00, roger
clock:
9:32
